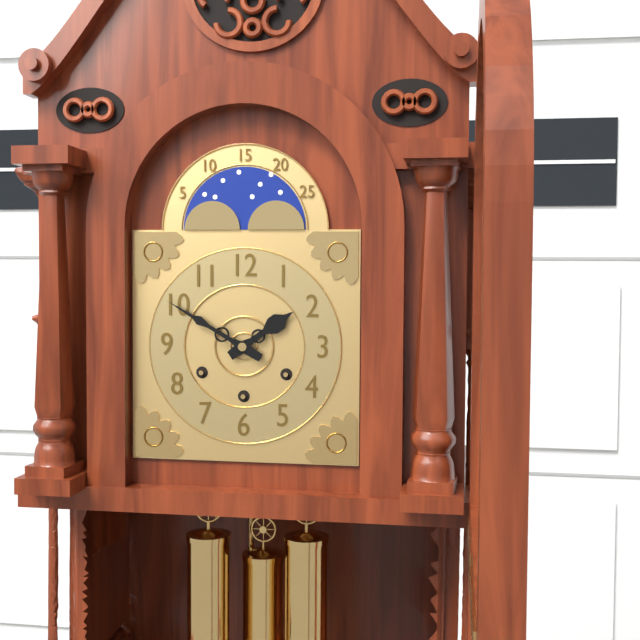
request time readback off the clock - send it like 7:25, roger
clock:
1:50
